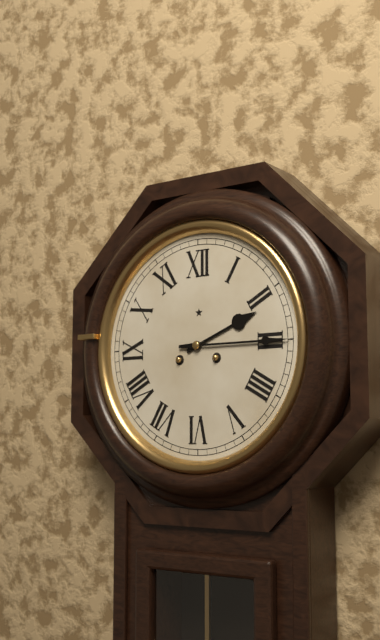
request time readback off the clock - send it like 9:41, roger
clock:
2:15
